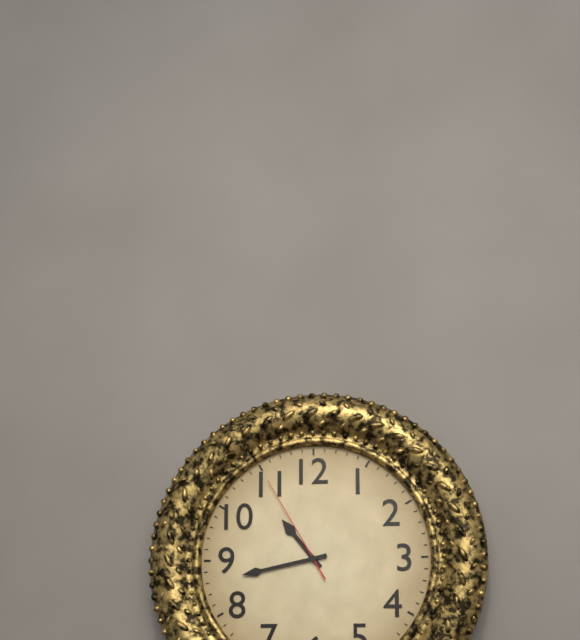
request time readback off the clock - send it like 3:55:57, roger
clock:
10:43:55
